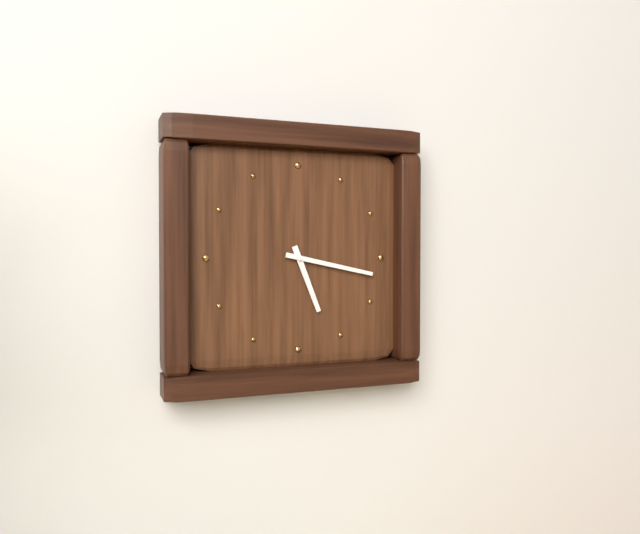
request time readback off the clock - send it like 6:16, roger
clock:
5:17
